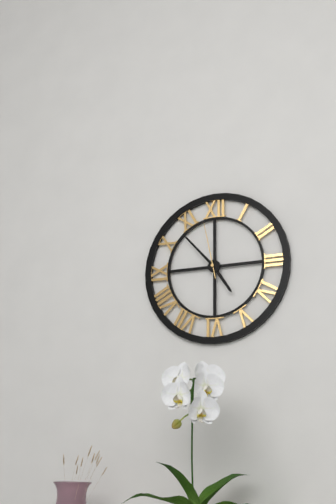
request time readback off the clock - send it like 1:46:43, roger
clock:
4:53:58
